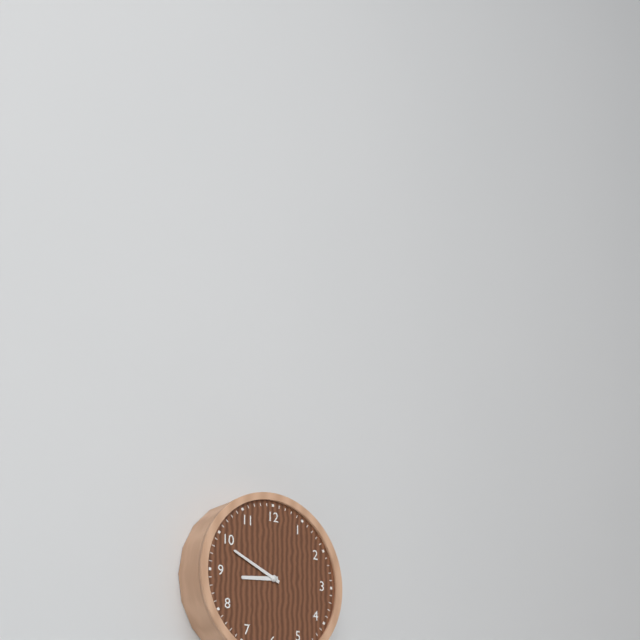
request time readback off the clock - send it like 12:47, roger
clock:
8:49
